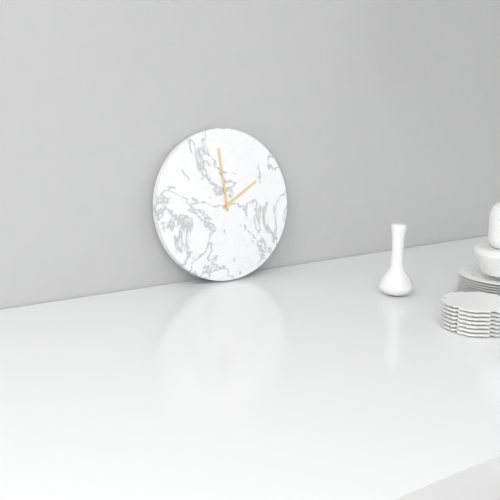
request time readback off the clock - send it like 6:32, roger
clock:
1:59
